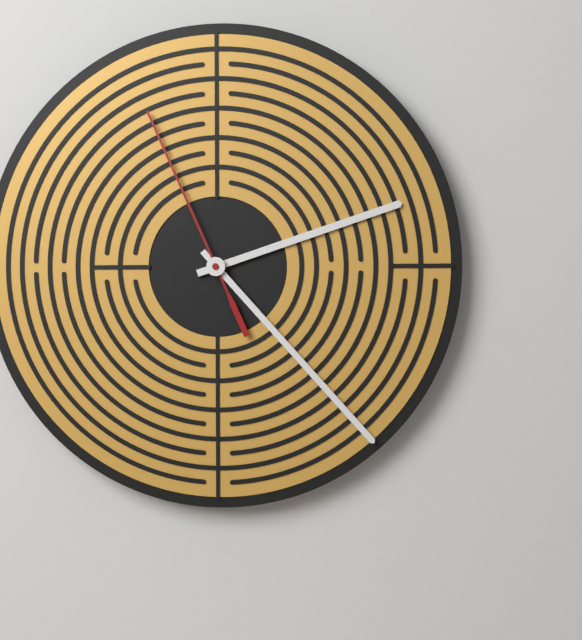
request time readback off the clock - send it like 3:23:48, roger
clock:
2:23:56
